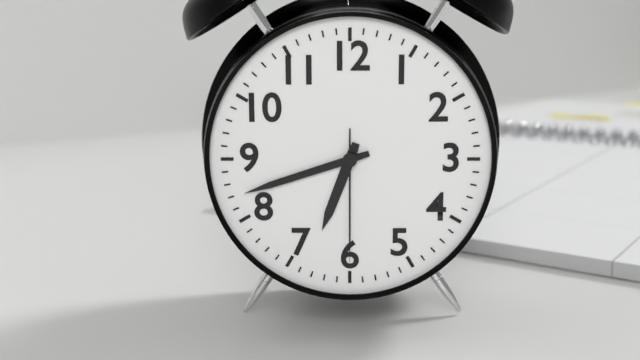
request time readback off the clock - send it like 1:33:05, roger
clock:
6:42:30
